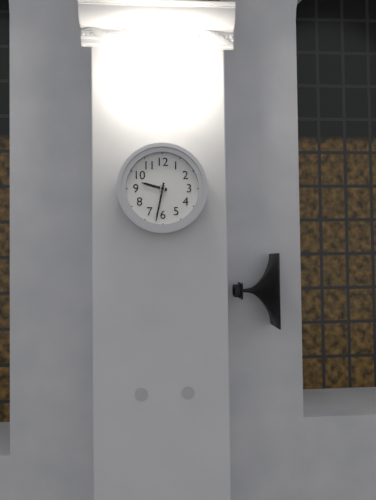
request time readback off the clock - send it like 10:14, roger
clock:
9:32
